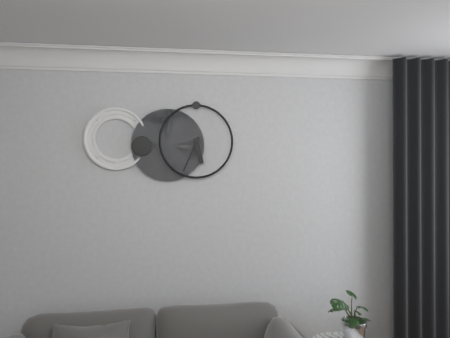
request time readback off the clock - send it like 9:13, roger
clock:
5:34
